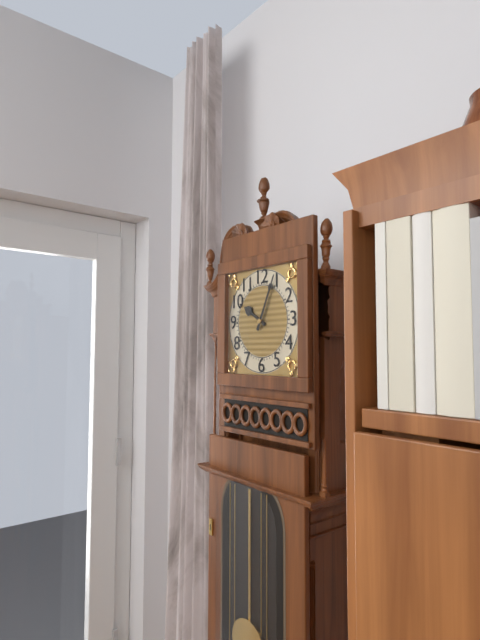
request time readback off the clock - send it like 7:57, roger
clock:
10:04
